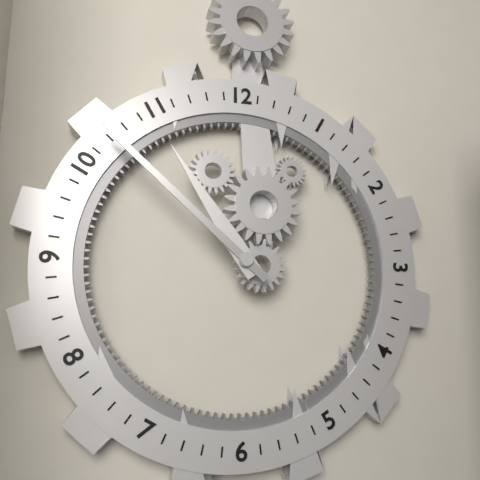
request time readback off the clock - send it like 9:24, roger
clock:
10:52
